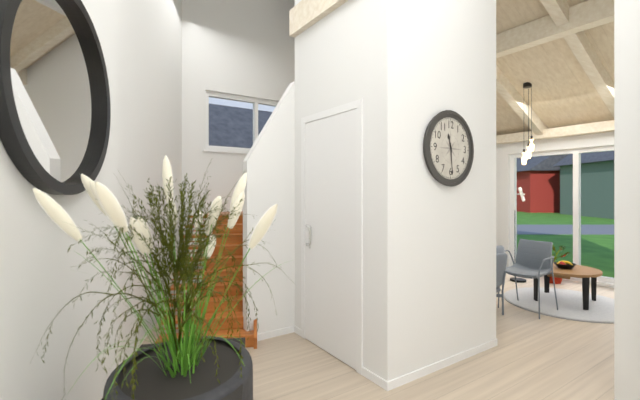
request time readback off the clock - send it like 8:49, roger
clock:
11:29
